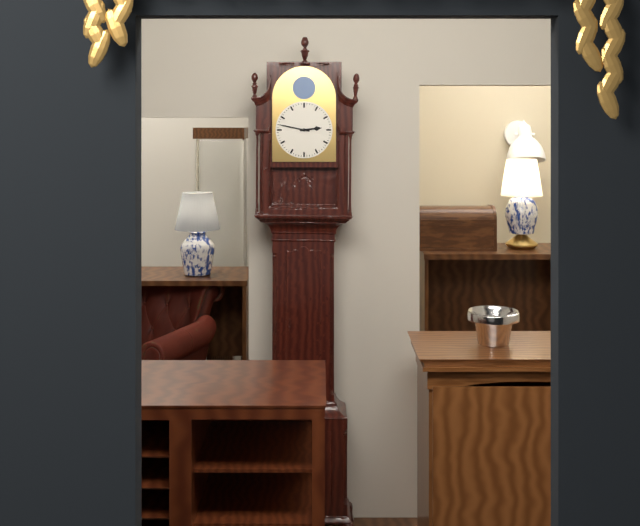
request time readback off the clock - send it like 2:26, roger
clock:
2:47
